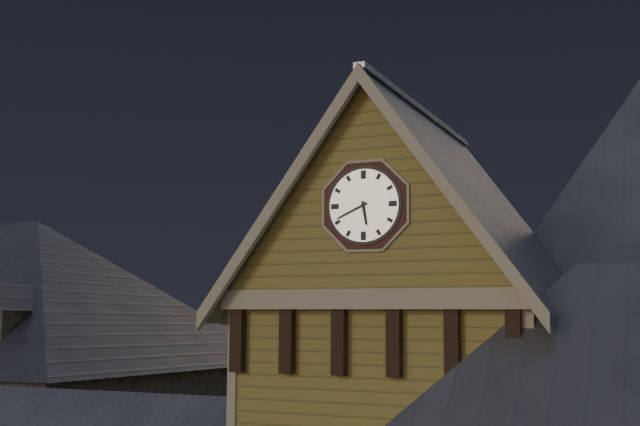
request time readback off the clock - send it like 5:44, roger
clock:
5:41
